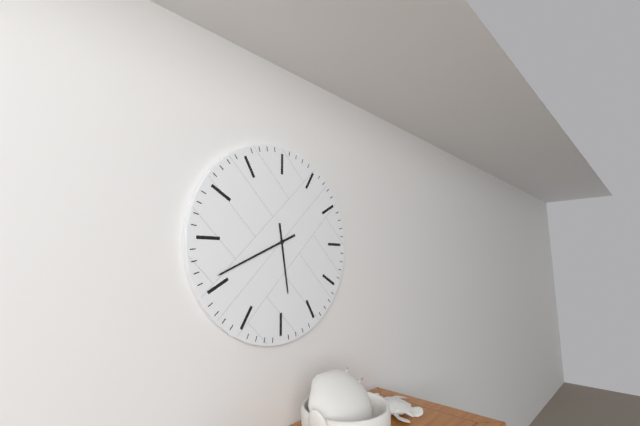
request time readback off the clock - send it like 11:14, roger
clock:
5:41
